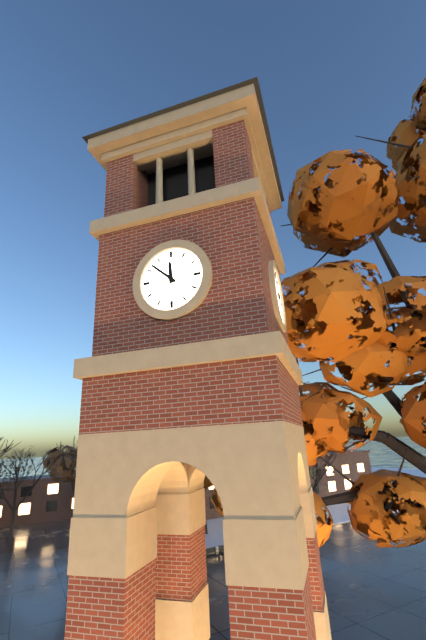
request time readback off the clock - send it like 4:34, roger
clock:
11:52
